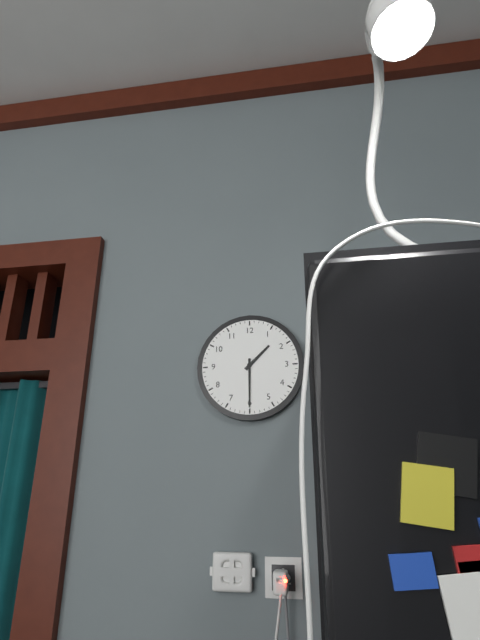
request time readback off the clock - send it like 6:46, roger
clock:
1:30
